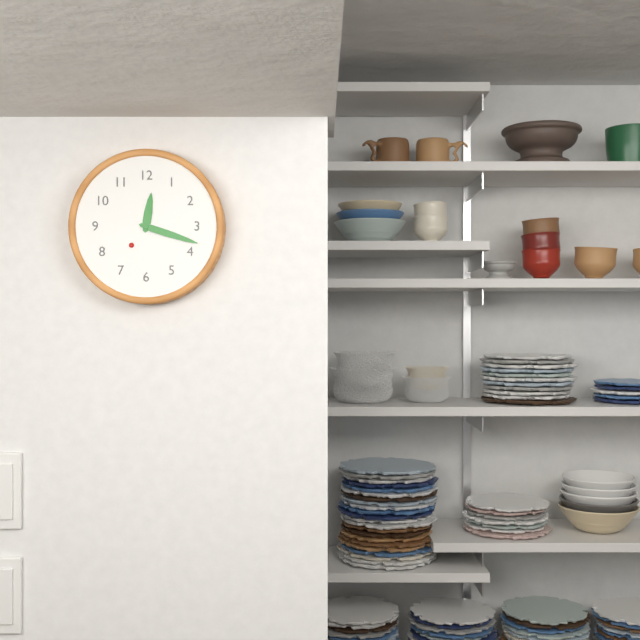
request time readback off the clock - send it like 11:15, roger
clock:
12:18
